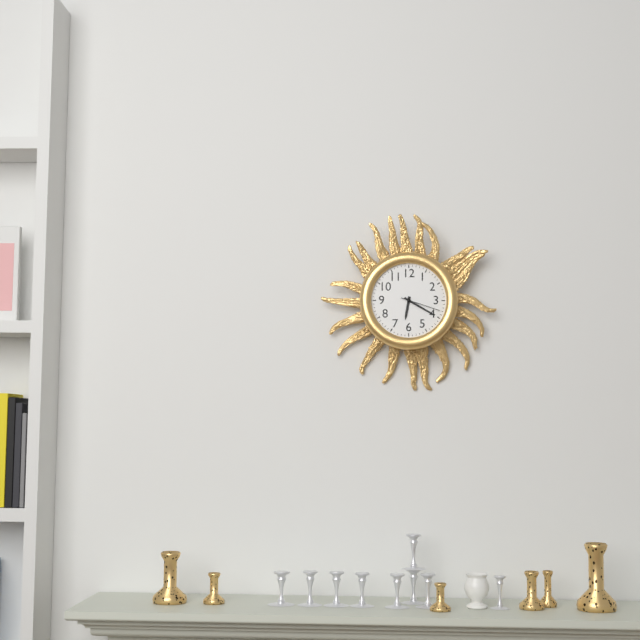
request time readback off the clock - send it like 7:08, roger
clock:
6:20
